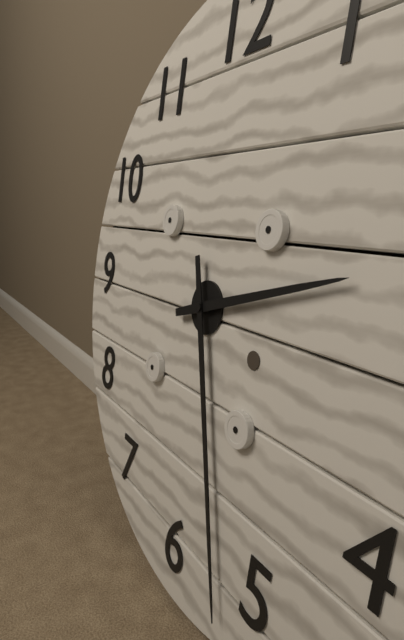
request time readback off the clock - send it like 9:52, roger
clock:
2:27
